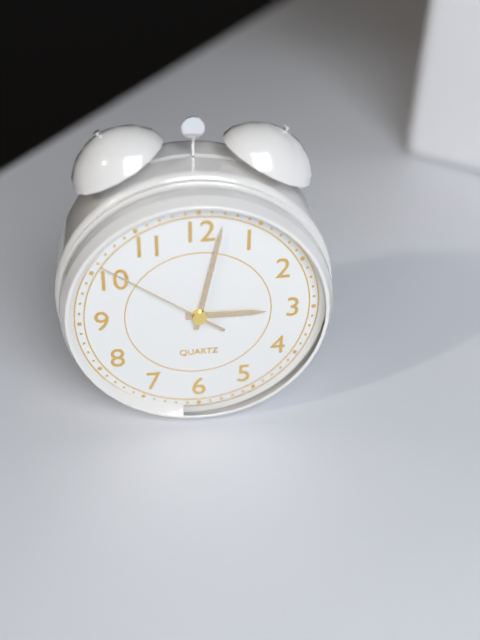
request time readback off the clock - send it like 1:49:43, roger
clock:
3:02:51
